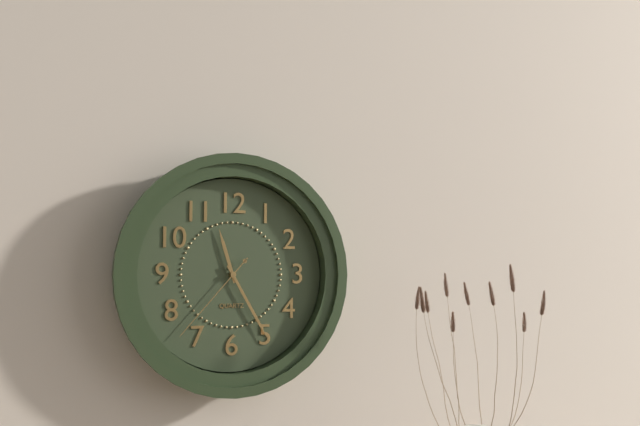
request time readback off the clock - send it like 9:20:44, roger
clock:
11:25:37
